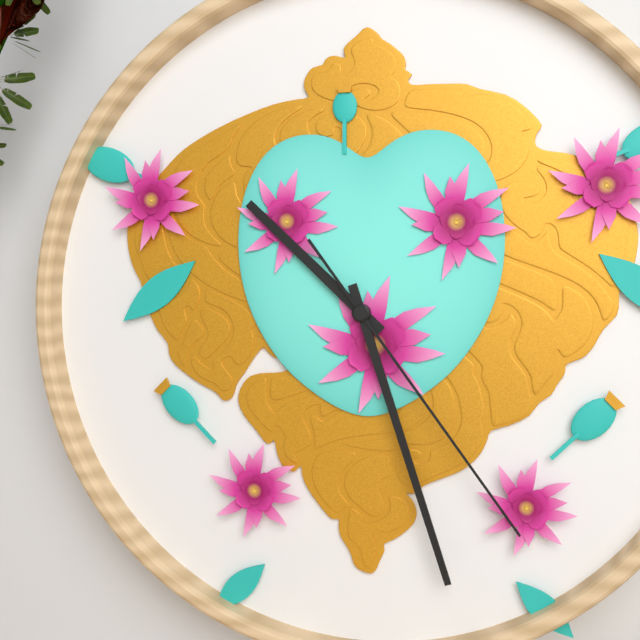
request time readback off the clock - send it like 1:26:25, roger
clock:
10:27:24
